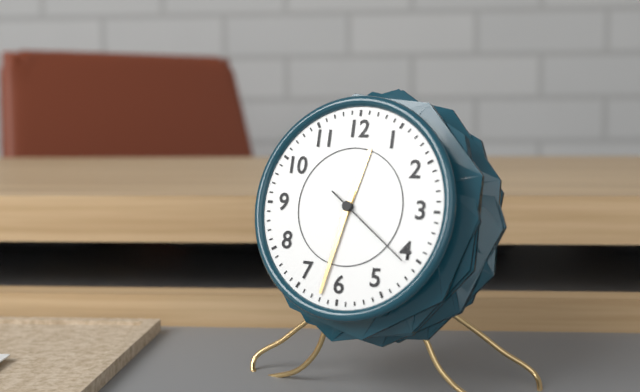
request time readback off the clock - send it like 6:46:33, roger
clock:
12:32:21
